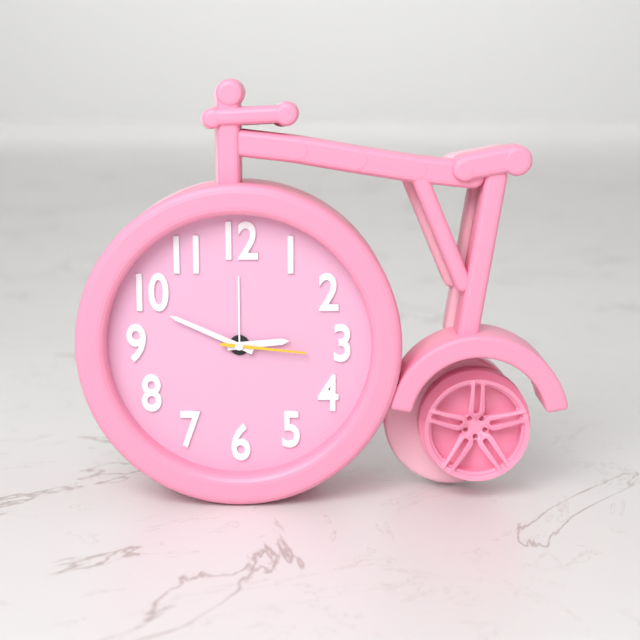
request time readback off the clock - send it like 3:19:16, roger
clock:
2:49:16
